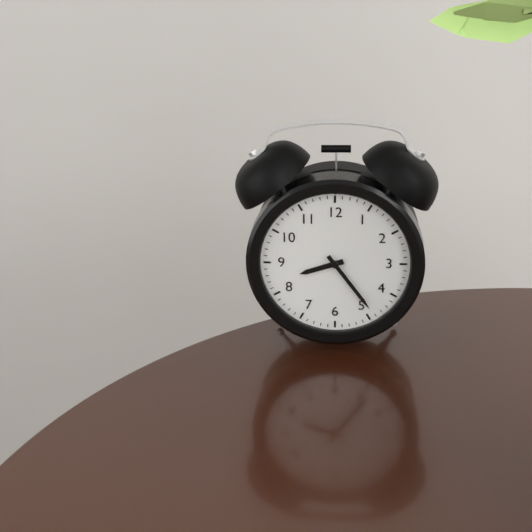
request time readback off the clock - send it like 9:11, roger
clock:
8:24
